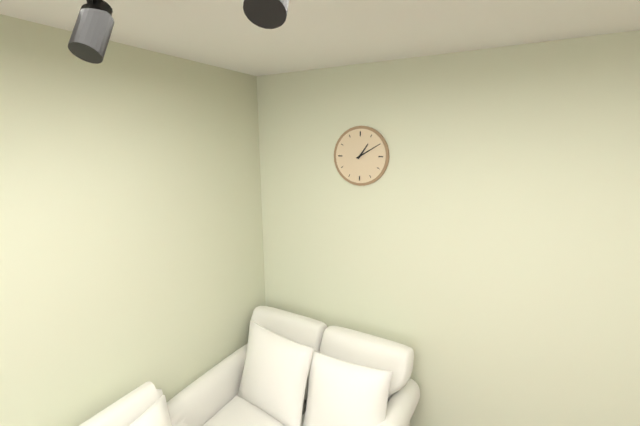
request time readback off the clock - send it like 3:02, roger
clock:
1:10
